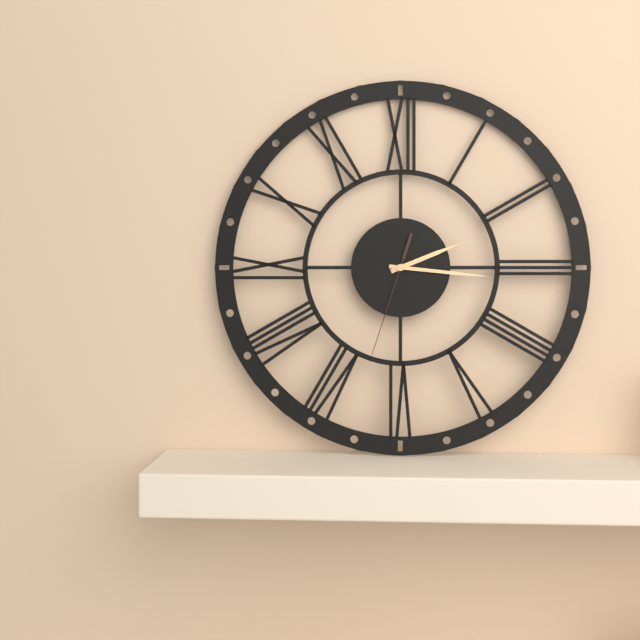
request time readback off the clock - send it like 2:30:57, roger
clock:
2:16:33
